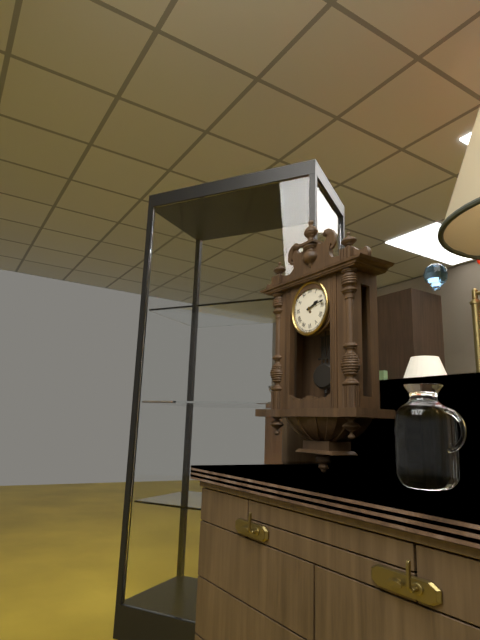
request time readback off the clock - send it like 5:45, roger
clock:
2:13
